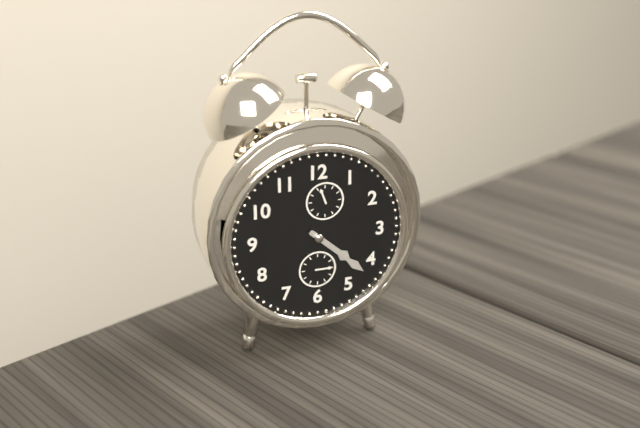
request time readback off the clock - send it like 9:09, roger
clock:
4:22
